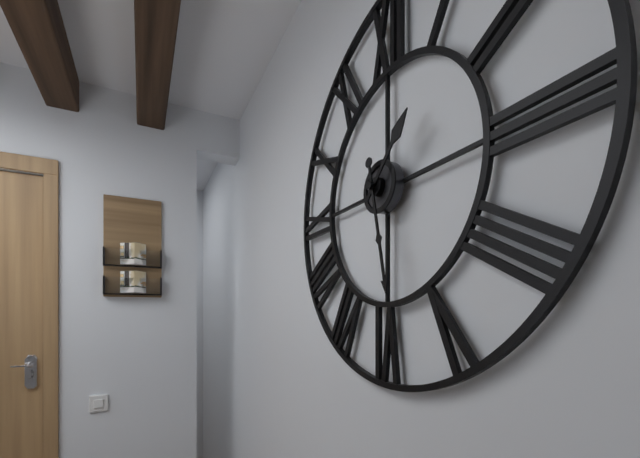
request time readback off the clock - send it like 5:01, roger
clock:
1:28
